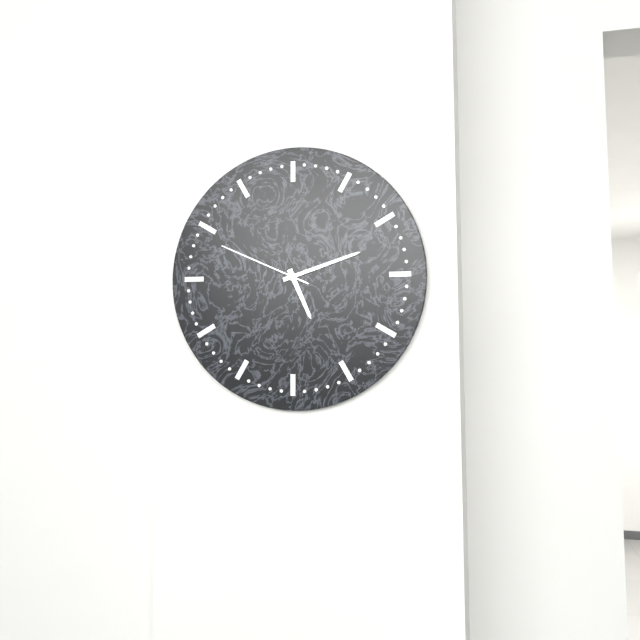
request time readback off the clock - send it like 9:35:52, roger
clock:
5:12:49
